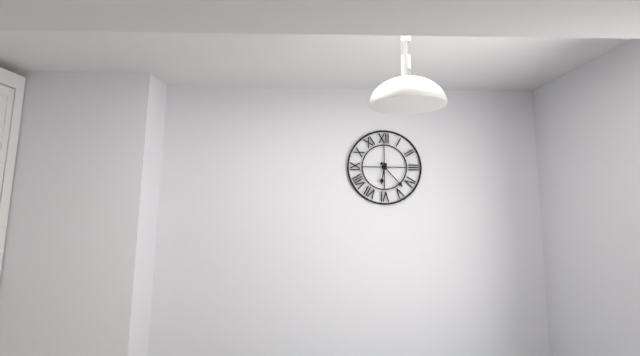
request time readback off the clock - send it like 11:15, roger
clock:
6:23
